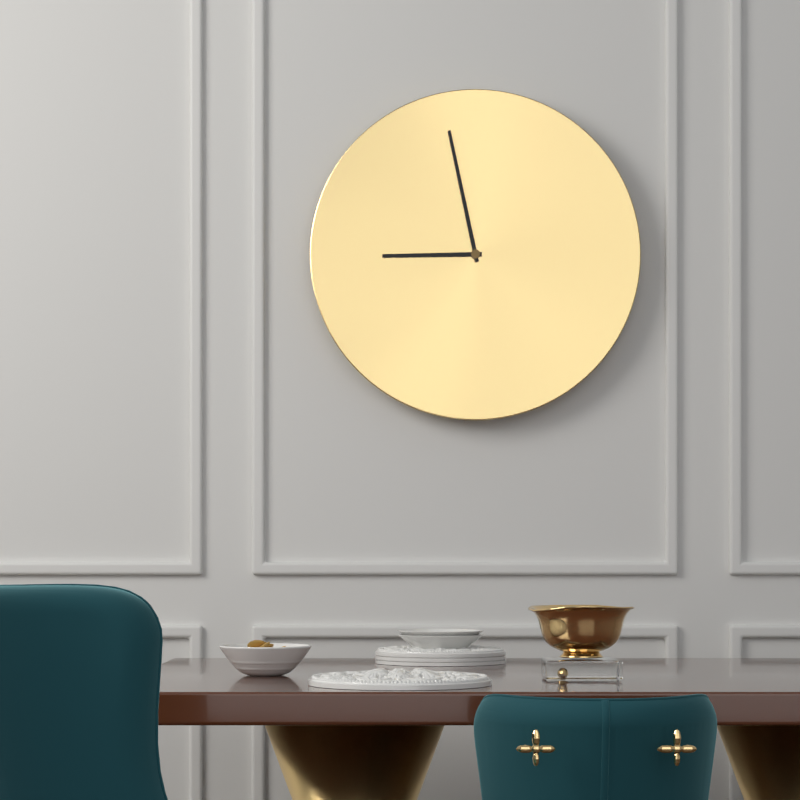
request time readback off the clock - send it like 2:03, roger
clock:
8:58
